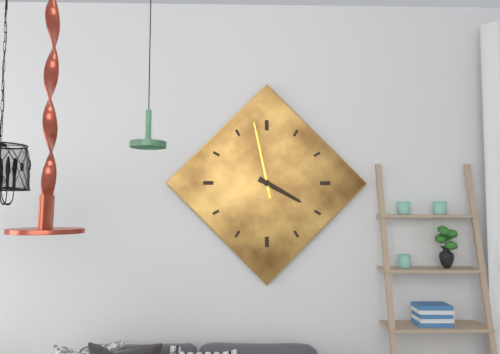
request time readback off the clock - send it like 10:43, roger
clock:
3:58
